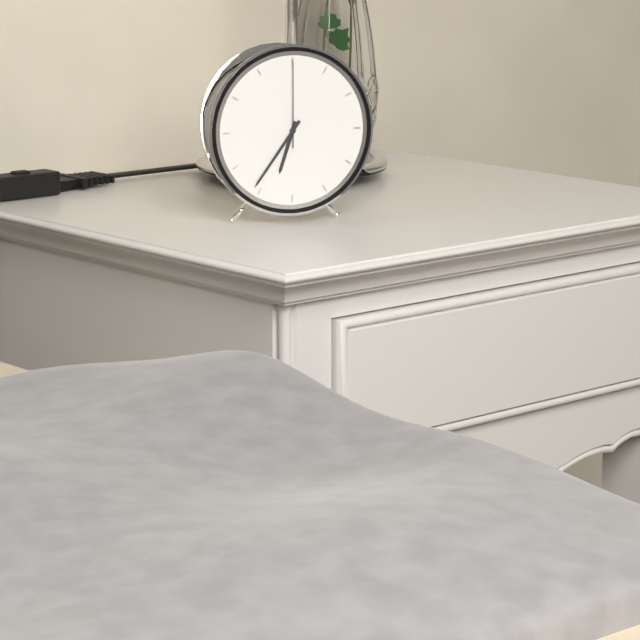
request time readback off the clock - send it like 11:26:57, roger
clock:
6:36:00
